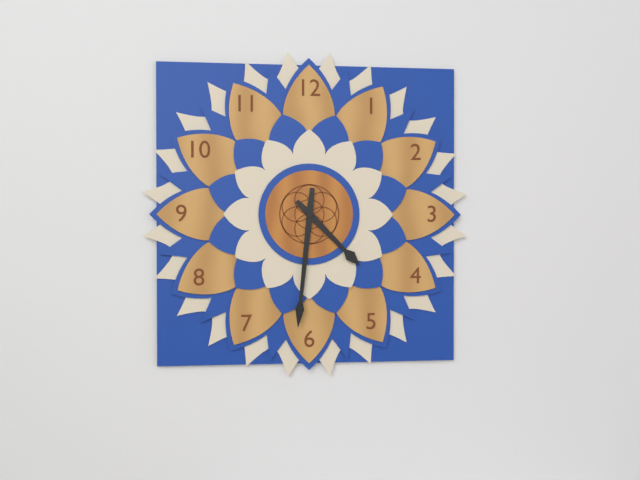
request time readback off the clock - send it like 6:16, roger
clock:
4:31
